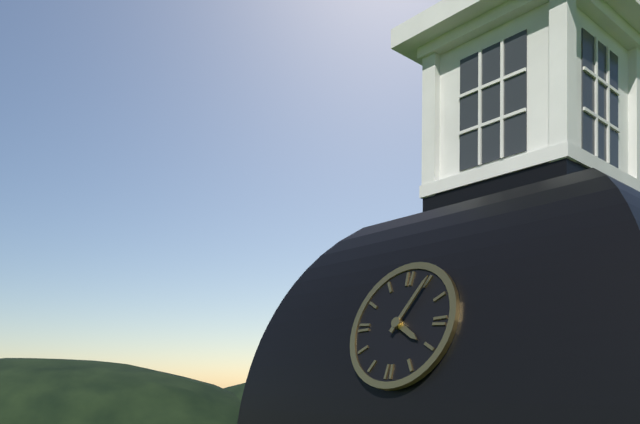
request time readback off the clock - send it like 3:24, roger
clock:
4:05
